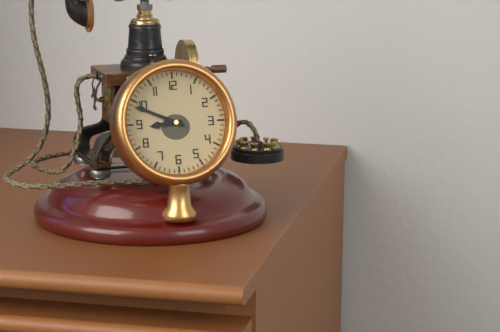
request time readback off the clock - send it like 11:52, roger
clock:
8:49
